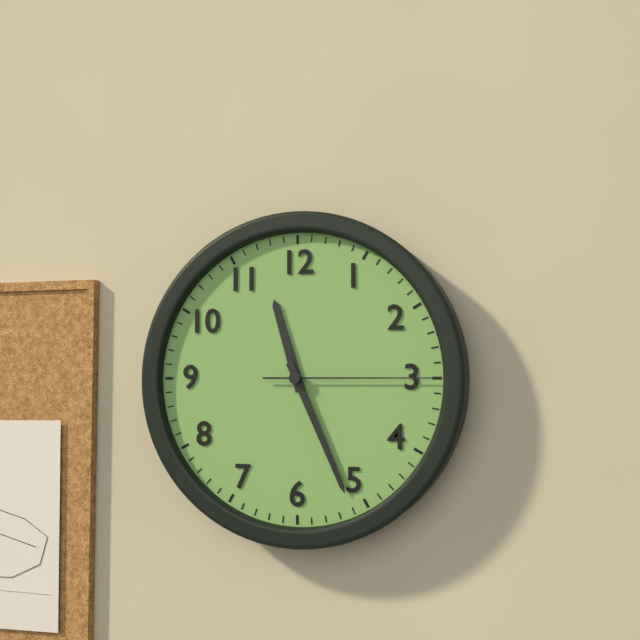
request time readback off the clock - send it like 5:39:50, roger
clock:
11:26:15
